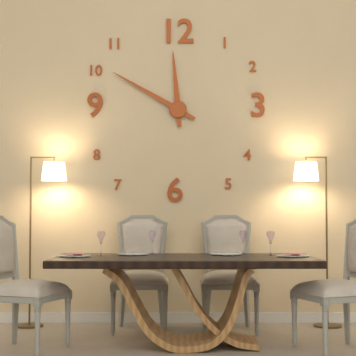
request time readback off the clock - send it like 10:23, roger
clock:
11:50
